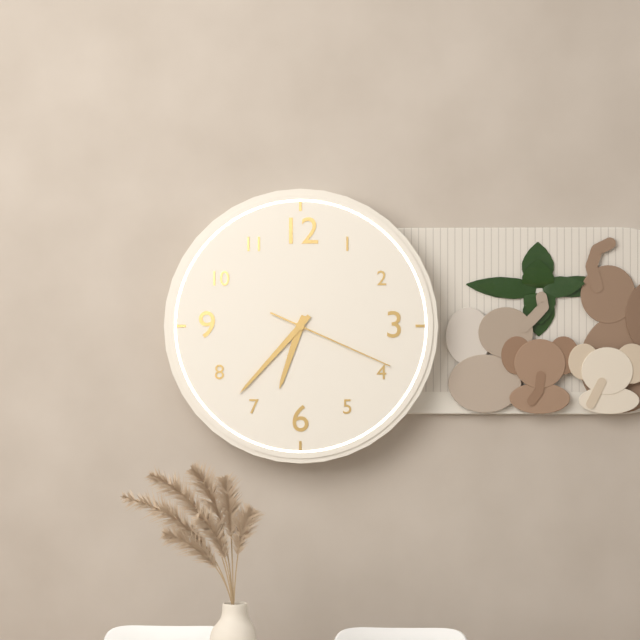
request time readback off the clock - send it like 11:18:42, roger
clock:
6:37:19
